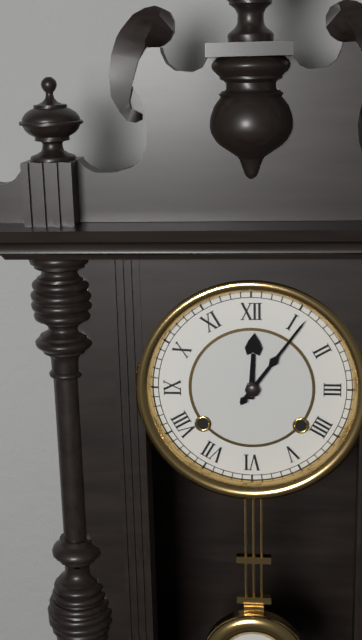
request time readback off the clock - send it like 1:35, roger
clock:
12:06
